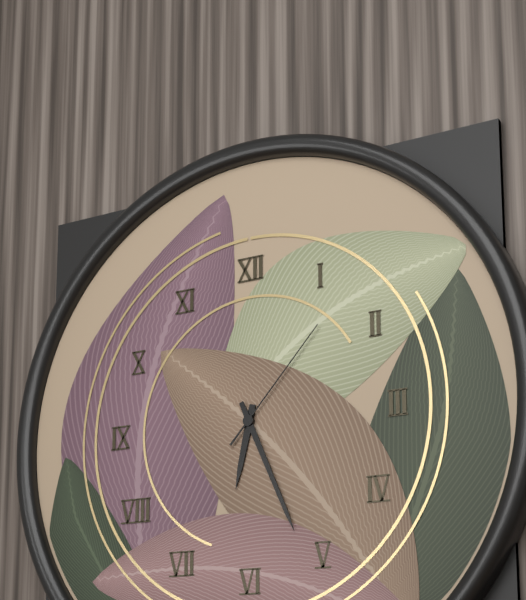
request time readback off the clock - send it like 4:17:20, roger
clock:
6:26:07
